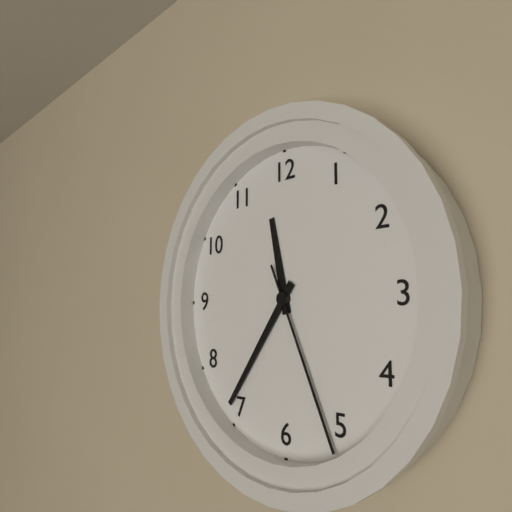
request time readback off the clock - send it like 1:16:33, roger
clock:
11:36:26
